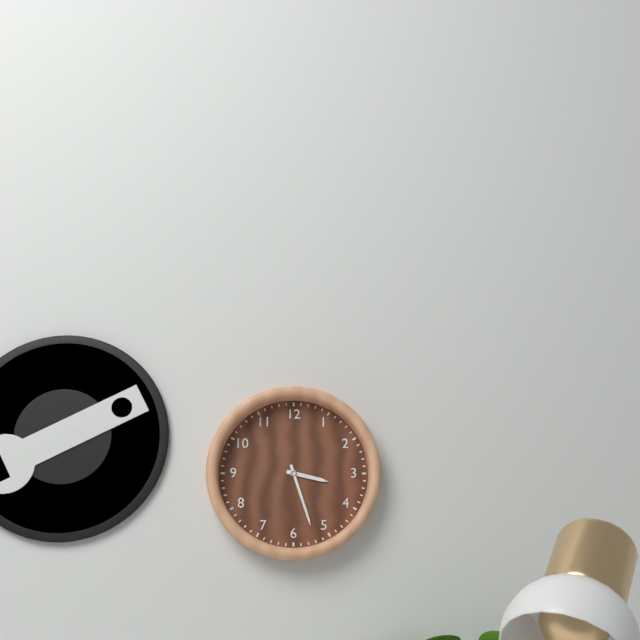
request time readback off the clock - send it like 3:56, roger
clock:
3:27
